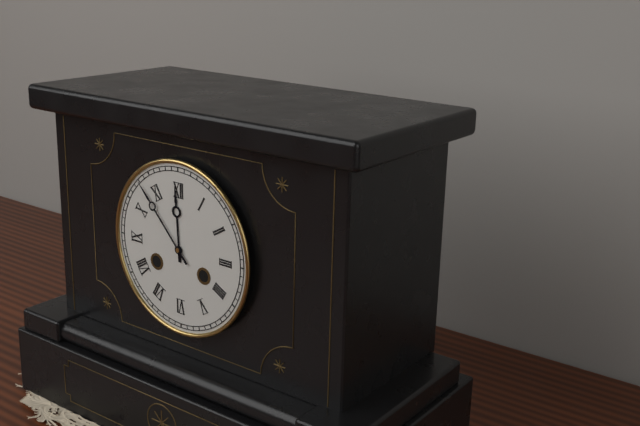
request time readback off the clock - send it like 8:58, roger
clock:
11:53
